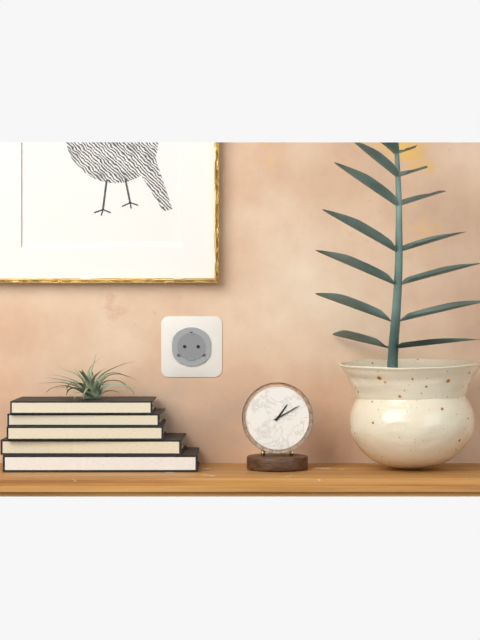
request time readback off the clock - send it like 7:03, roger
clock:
1:10
